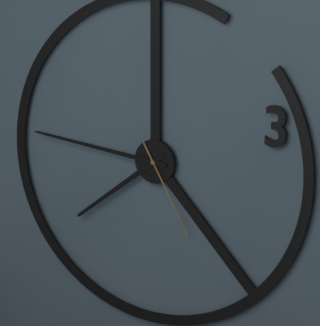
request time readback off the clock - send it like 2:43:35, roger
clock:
7:46:25
